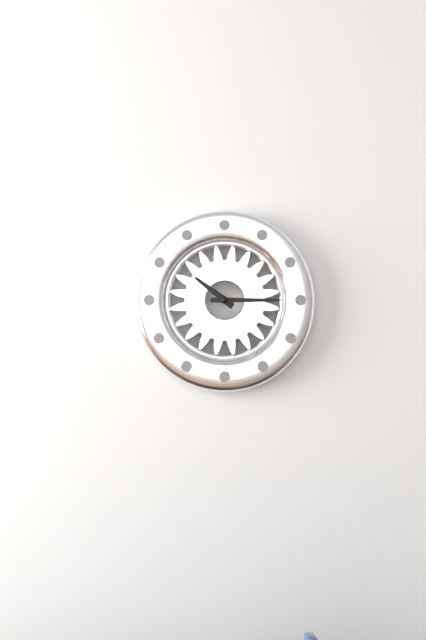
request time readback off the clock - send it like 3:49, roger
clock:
10:15
